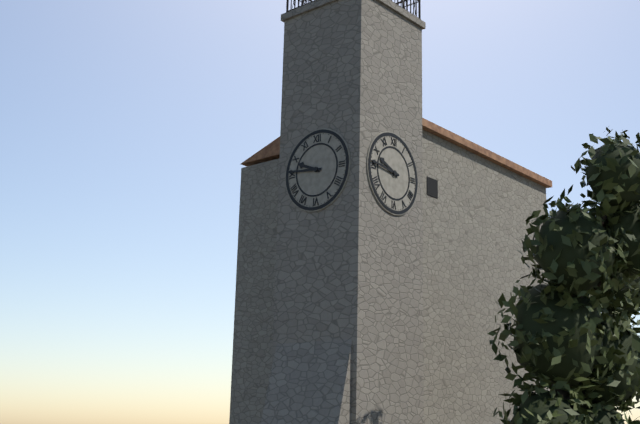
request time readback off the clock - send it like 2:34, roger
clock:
9:46
